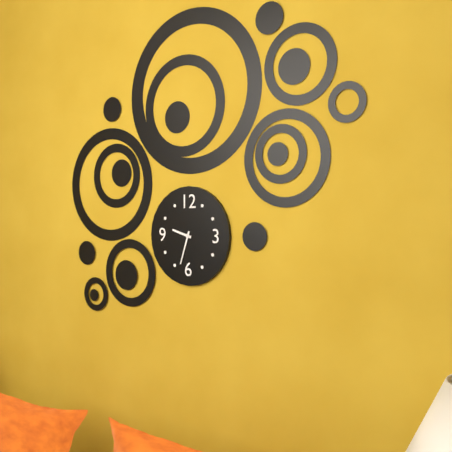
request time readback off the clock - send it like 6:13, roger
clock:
9:33
